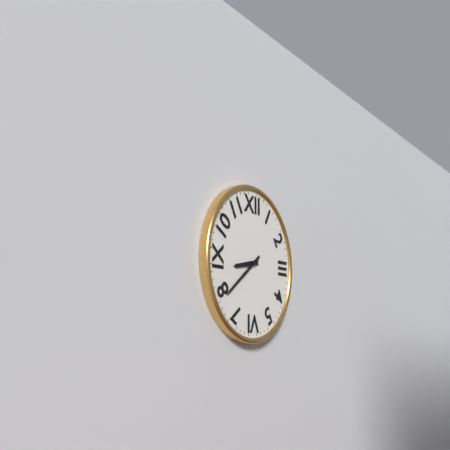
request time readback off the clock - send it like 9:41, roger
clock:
8:39
